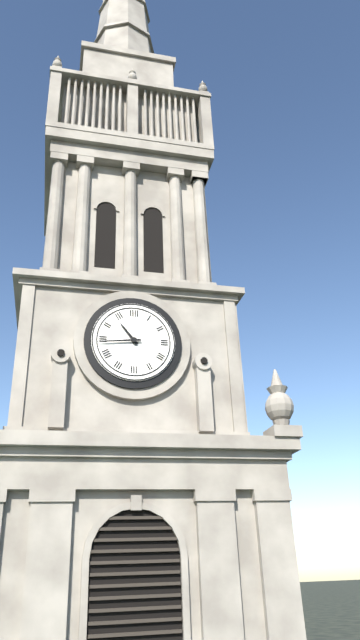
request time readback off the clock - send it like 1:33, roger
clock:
10:44
